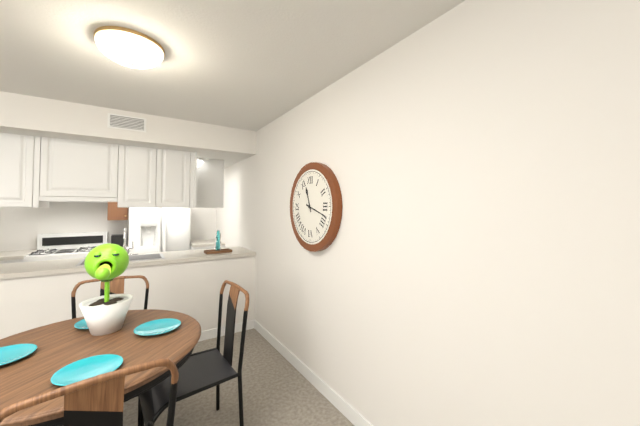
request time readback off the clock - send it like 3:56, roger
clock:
11:18
